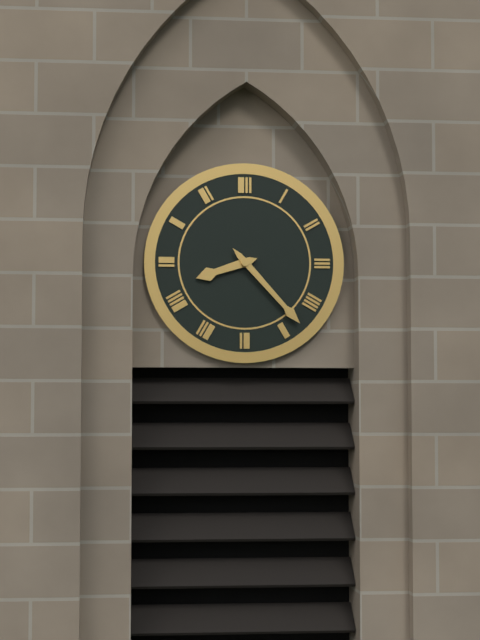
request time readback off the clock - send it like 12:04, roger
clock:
8:23
